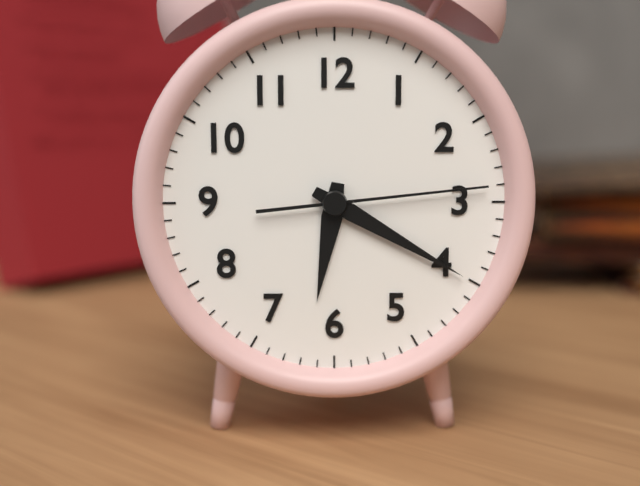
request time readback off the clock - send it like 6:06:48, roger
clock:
6:20:14
